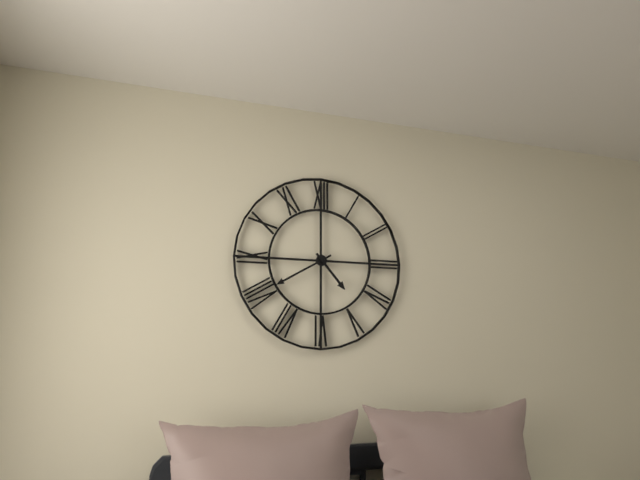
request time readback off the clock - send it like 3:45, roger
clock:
4:40
